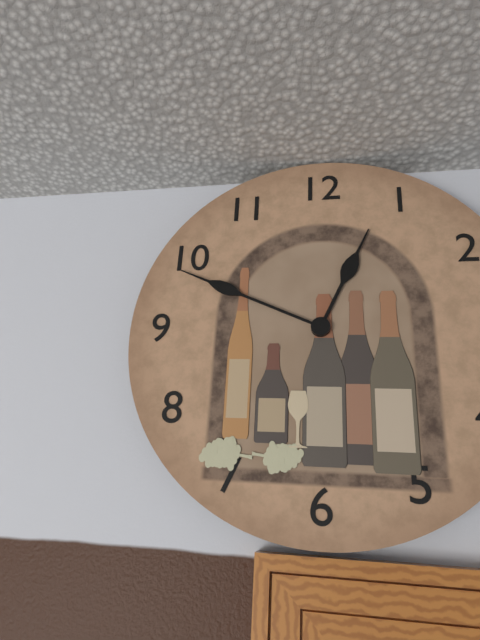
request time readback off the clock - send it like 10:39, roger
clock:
12:49
